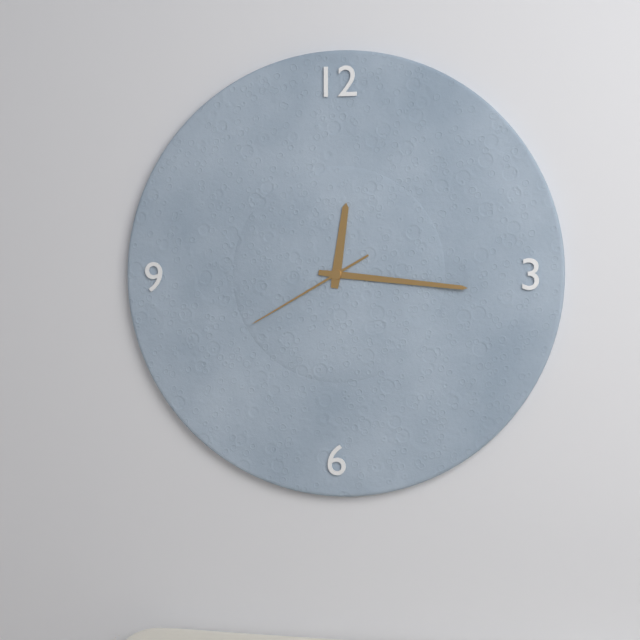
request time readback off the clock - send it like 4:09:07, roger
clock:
12:16:40
